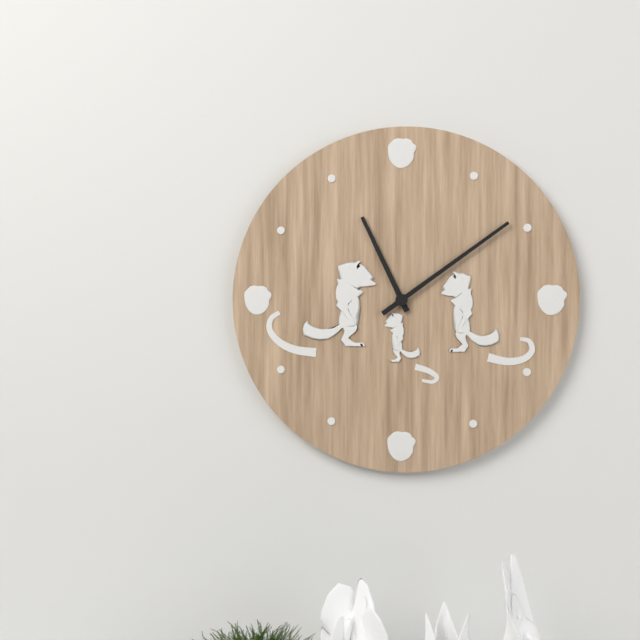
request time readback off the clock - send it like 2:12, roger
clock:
11:09
